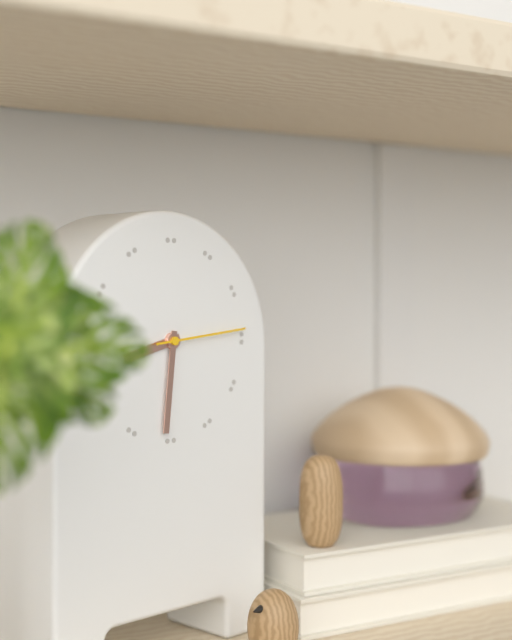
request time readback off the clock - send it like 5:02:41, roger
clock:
8:31:14
